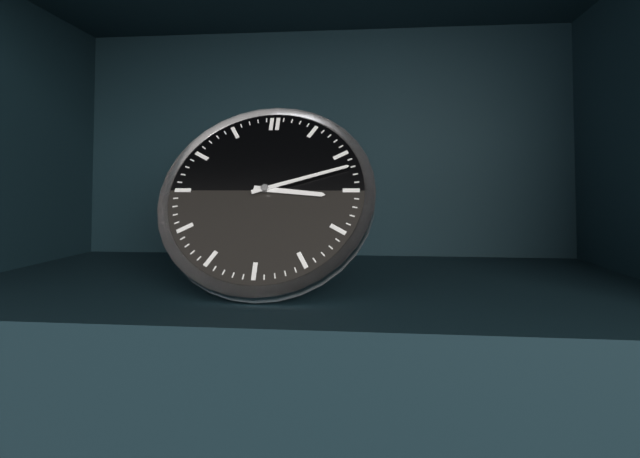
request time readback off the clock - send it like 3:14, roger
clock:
3:12
